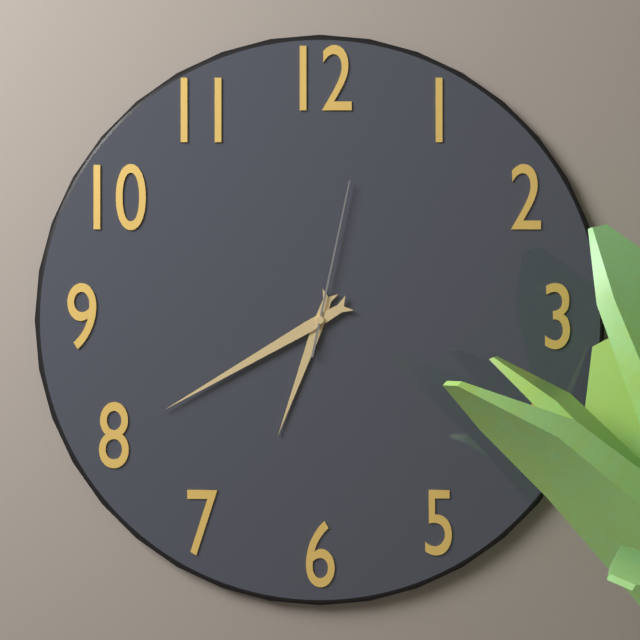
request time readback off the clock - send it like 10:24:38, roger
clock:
6:40:02
